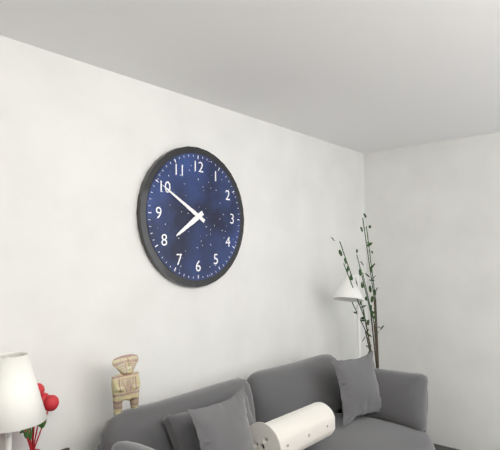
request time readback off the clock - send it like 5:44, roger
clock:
7:50
